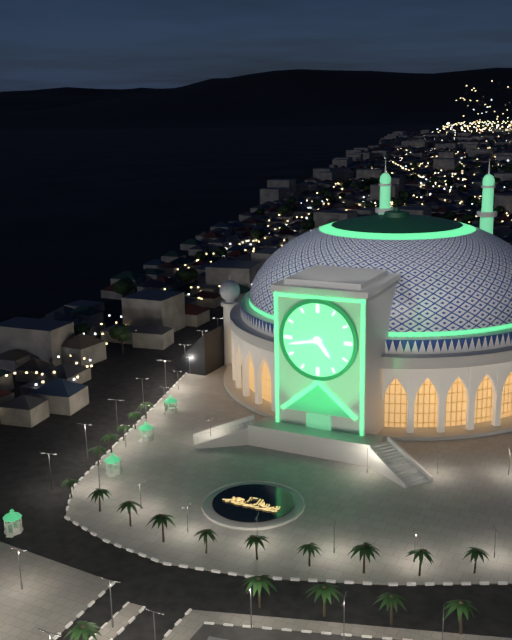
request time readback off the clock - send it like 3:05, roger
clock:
4:43
